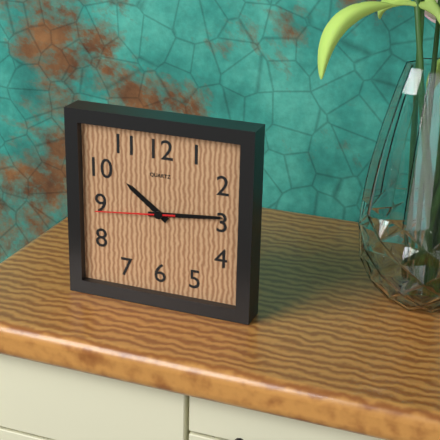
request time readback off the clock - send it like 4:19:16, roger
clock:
10:14:44
